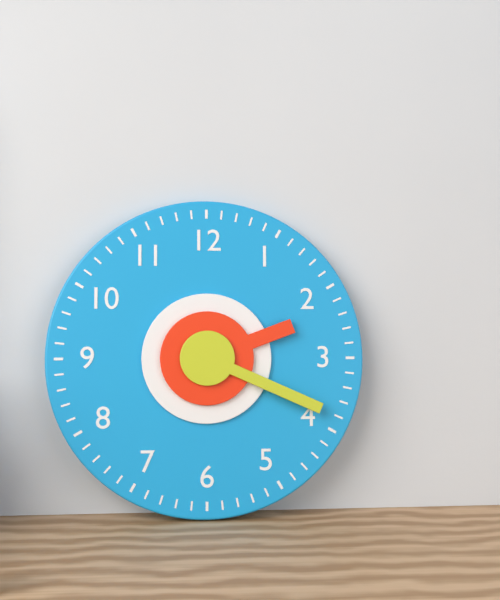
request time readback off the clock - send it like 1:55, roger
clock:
2:19
